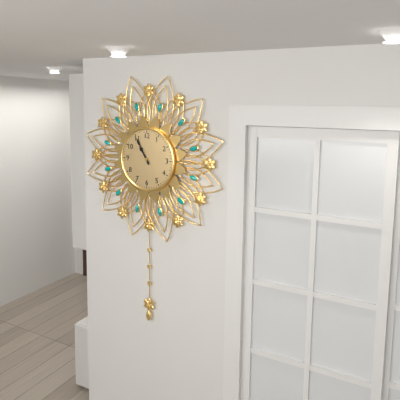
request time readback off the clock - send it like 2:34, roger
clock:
10:55
